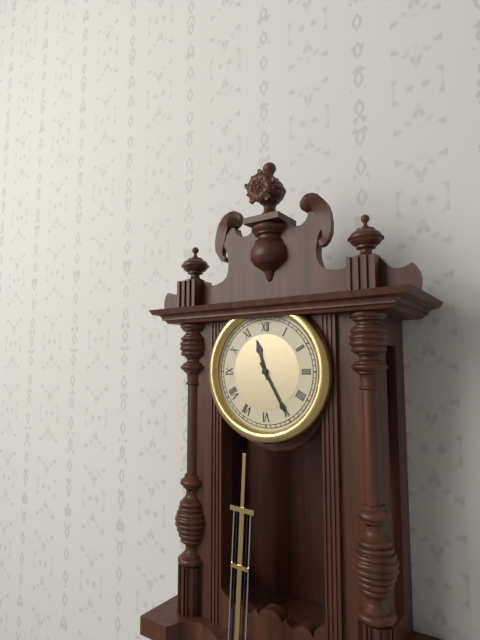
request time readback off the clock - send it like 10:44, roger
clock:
11:25
